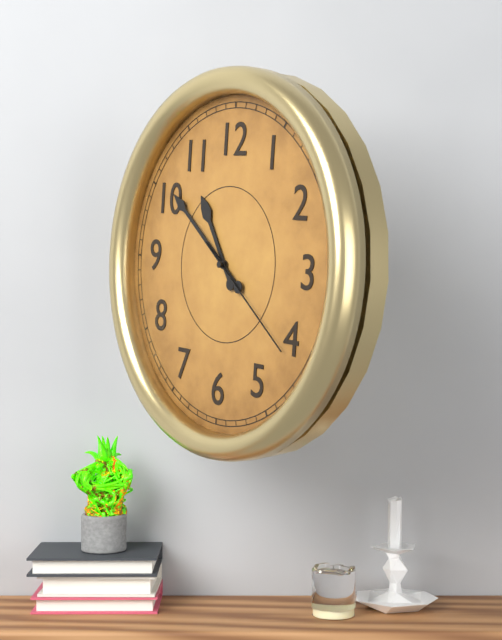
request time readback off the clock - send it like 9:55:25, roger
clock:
10:51:21
